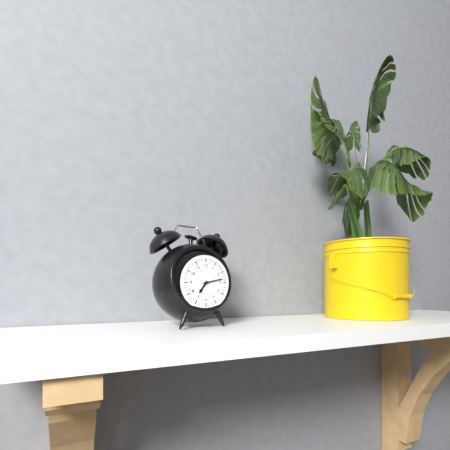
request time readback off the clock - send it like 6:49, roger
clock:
7:13
